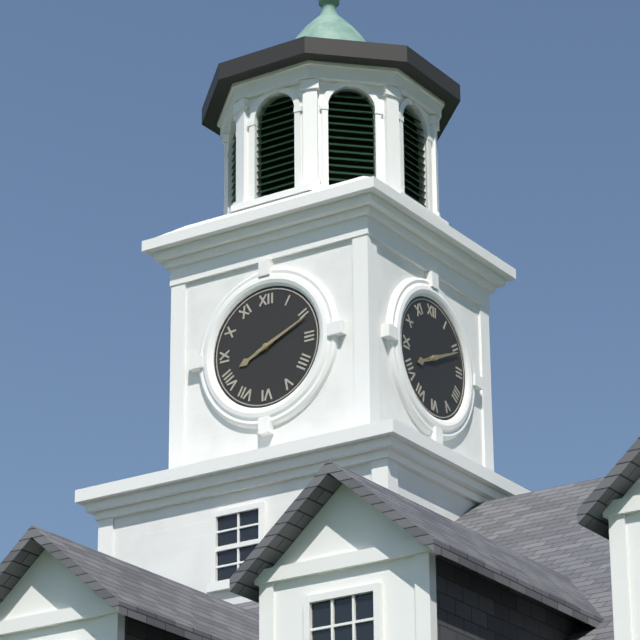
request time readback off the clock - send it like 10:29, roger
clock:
8:11
